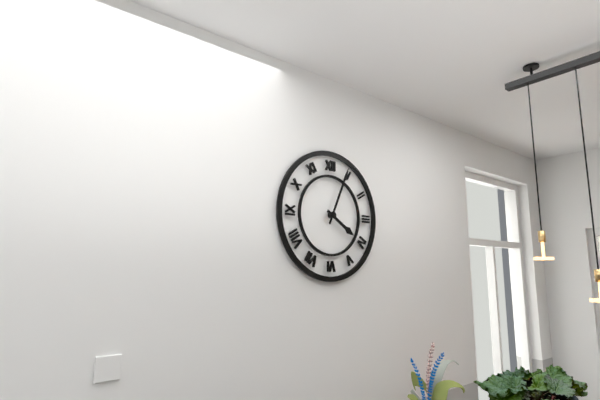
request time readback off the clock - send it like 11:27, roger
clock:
4:04
